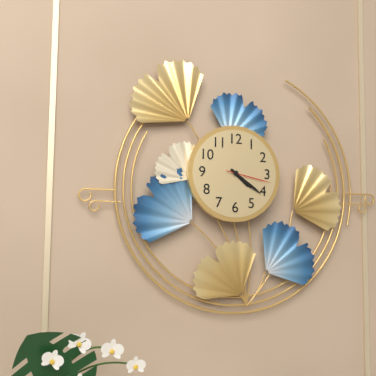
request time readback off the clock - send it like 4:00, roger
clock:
4:21
